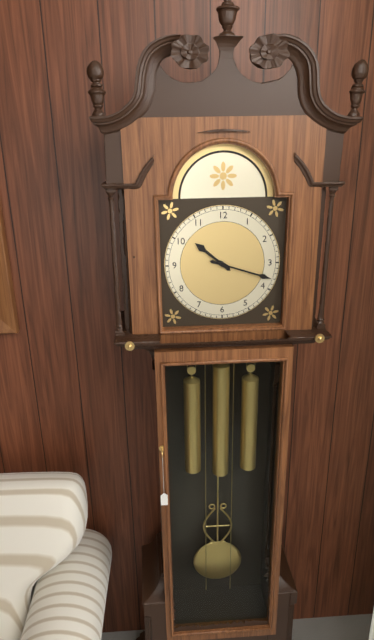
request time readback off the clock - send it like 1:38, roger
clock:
10:18
